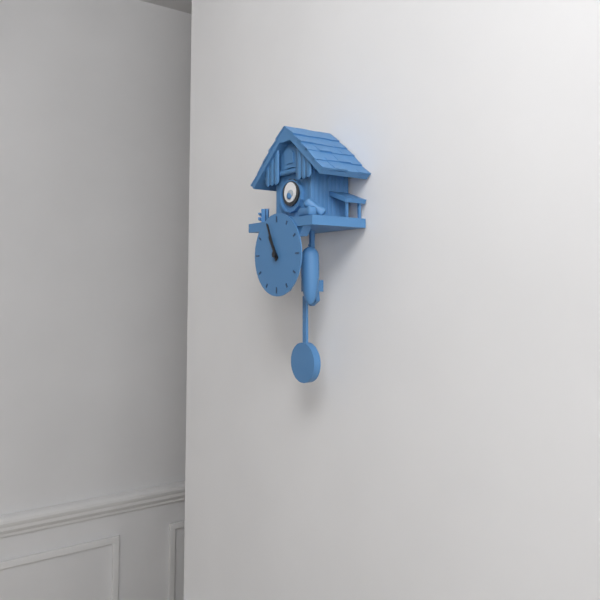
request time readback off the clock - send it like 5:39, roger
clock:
10:56
